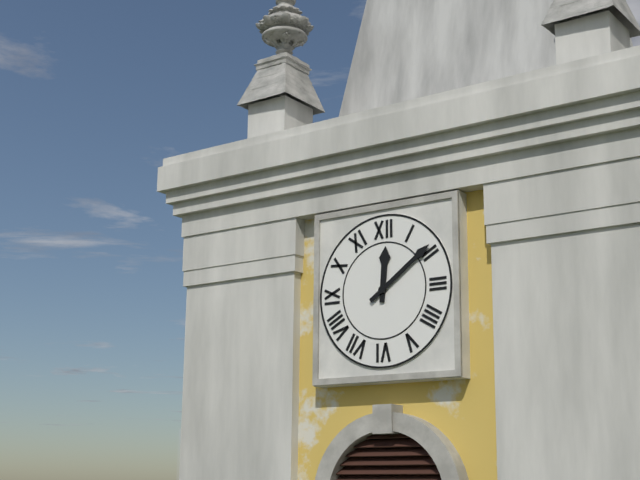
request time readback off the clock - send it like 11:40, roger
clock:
12:09
